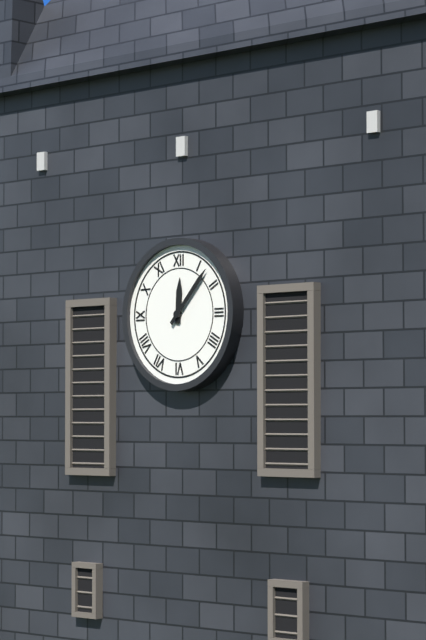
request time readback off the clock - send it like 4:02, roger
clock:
12:07
